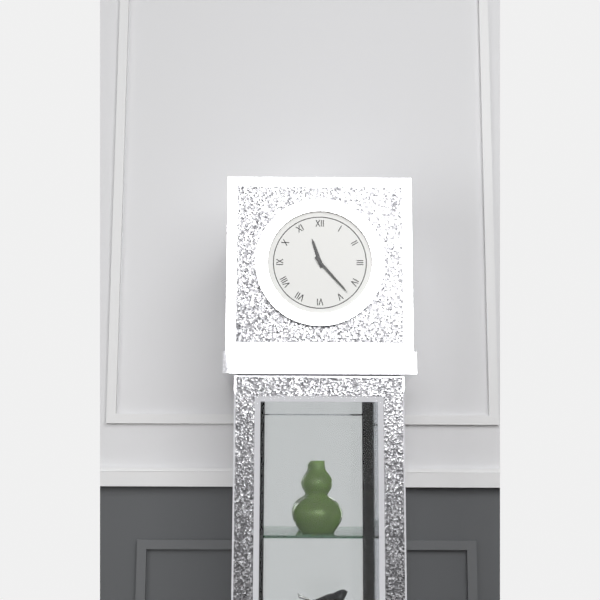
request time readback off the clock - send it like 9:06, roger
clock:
11:23
